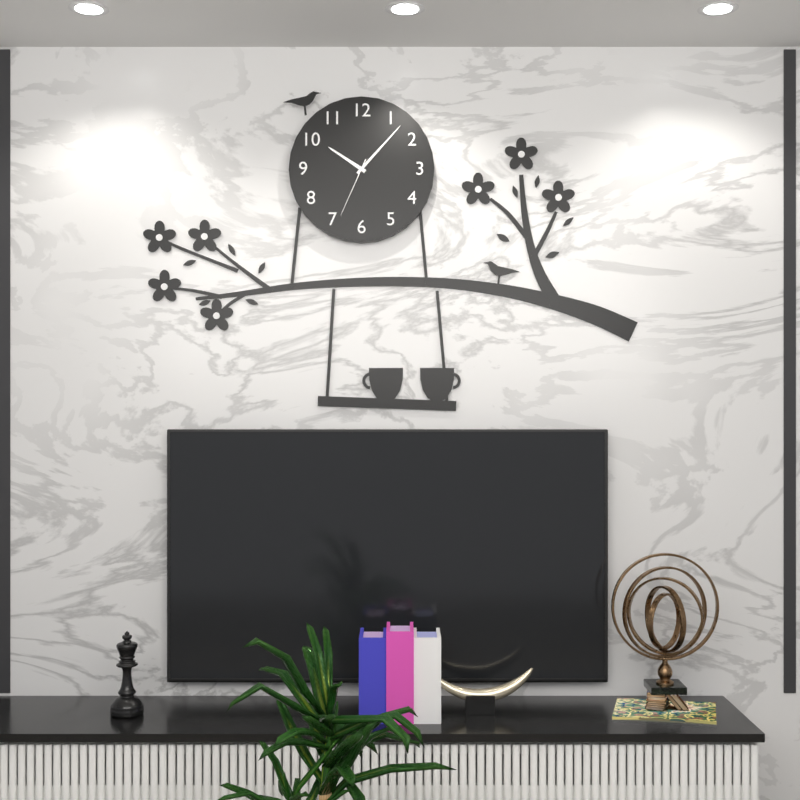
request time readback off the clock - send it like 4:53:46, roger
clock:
10:07:34
